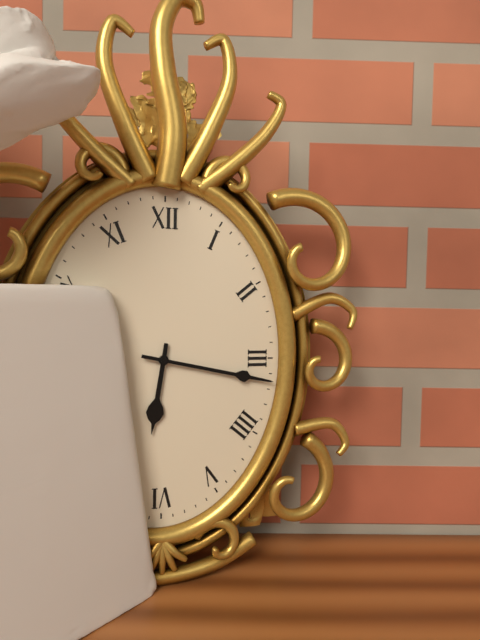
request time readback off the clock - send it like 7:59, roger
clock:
6:17
